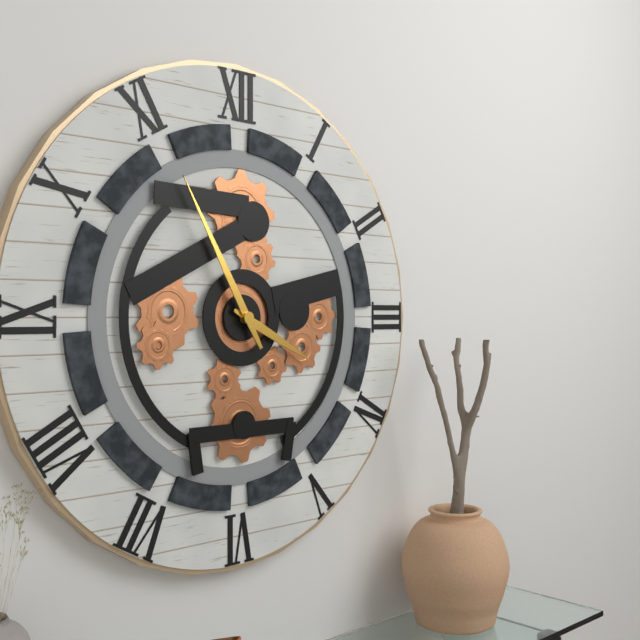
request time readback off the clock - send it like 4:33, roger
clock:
3:55
